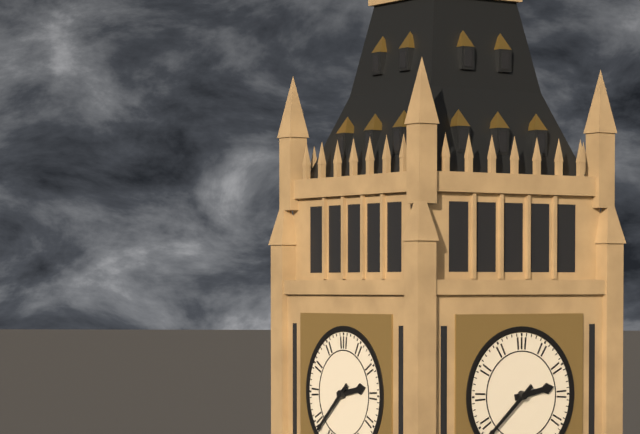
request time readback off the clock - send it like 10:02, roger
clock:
2:38
